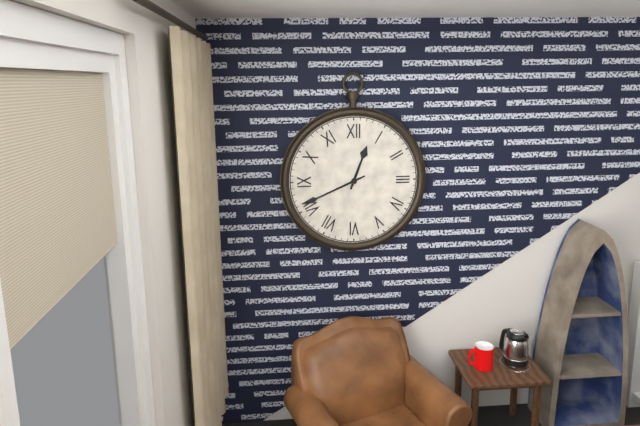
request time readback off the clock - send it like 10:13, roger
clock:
12:41
